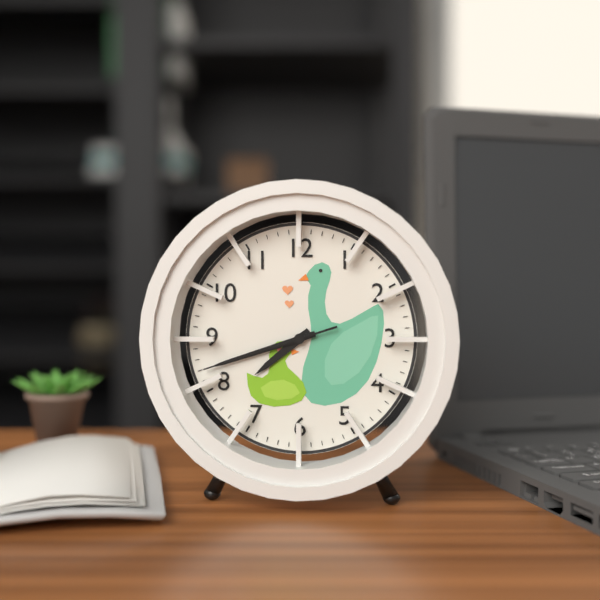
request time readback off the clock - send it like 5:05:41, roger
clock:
7:42:42
